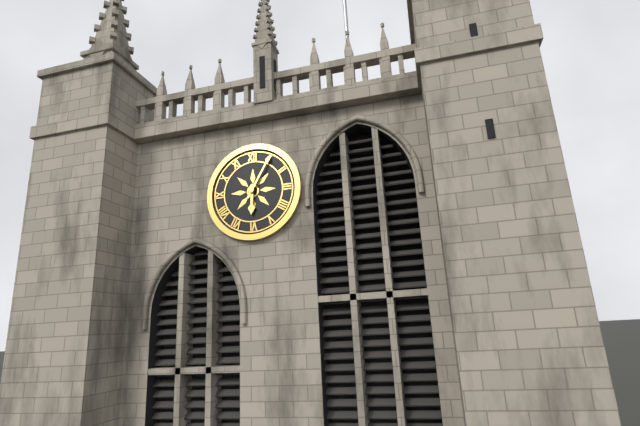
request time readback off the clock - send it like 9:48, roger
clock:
6:05
